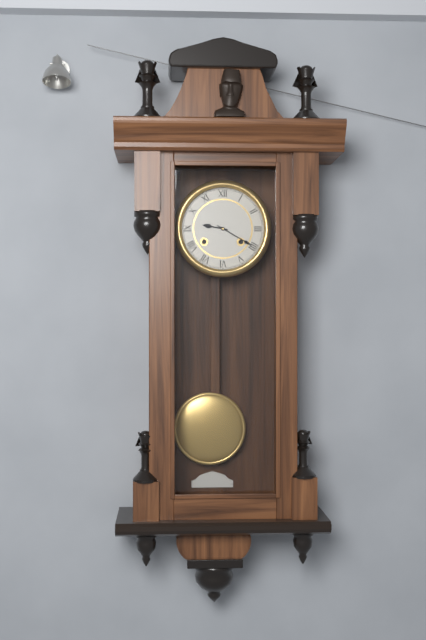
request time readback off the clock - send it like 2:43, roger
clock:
9:20
